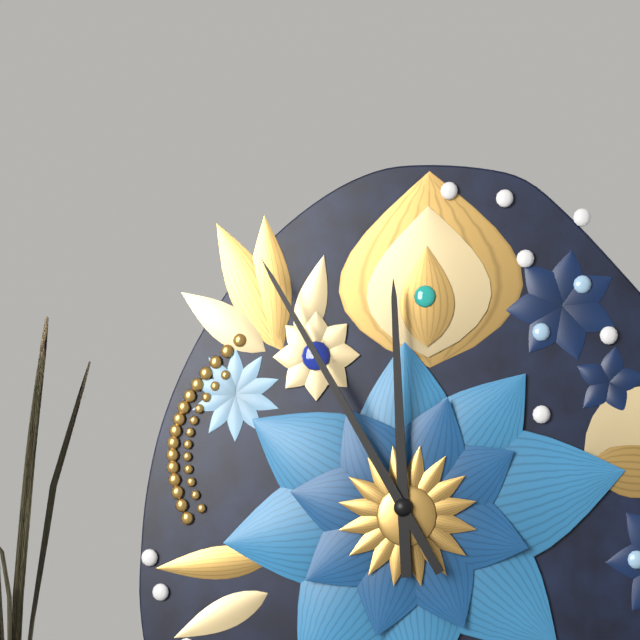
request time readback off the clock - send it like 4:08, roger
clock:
11:55
